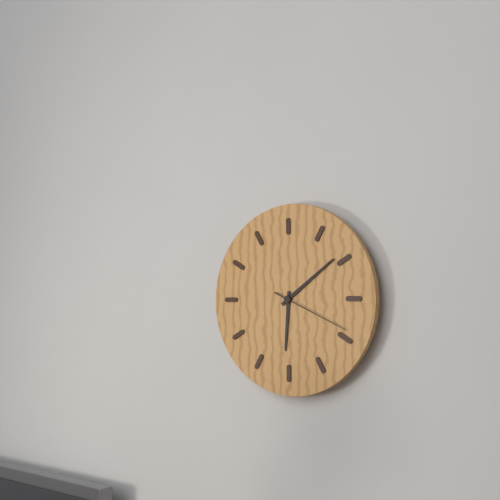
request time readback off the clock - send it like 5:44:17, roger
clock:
6:09:19
